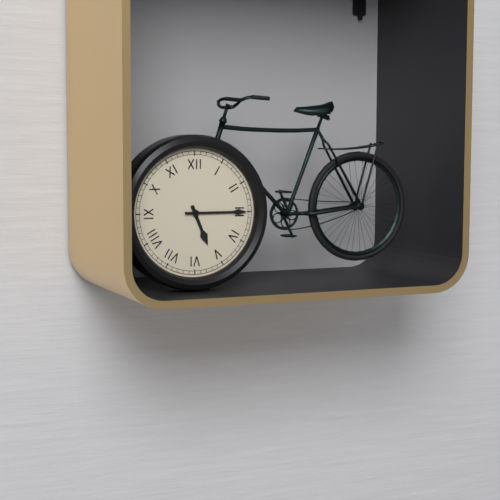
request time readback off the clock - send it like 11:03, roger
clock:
5:15
